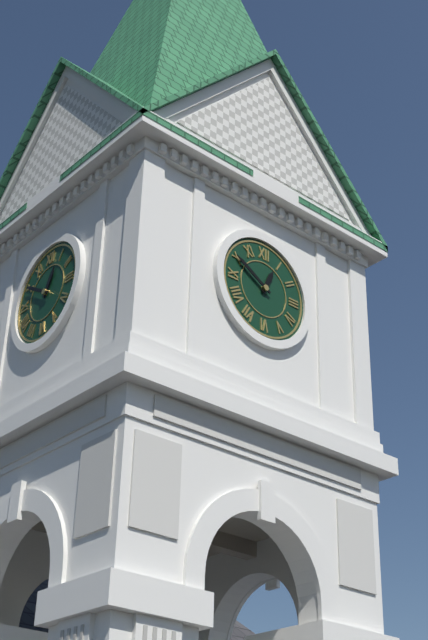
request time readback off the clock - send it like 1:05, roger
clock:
12:50
